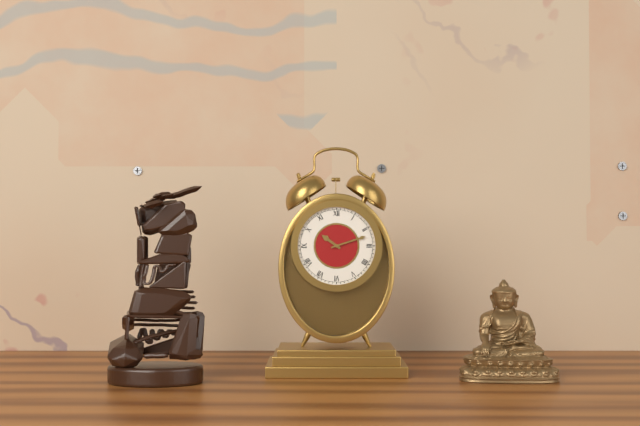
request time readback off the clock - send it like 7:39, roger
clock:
10:12
